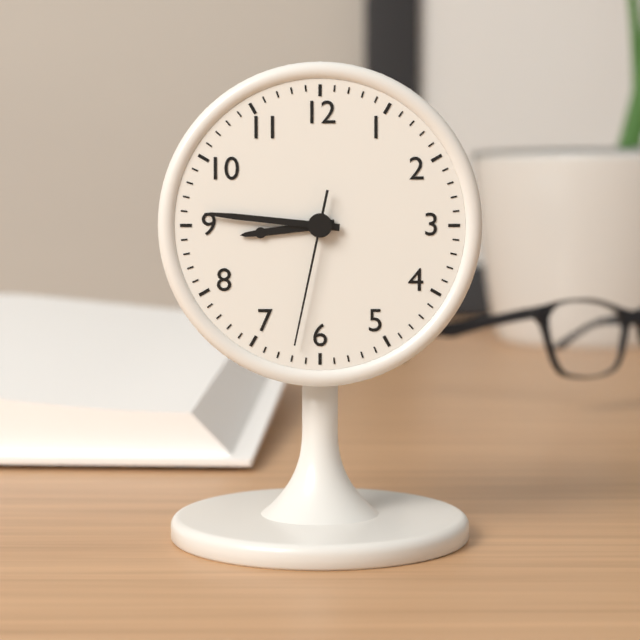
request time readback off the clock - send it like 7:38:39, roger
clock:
8:46:32
